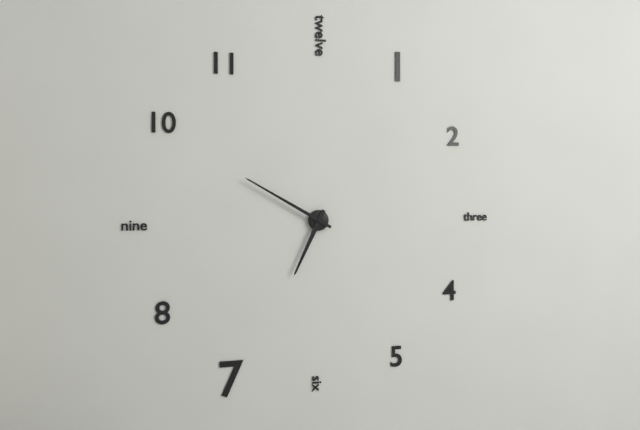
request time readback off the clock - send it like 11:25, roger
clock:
6:50
